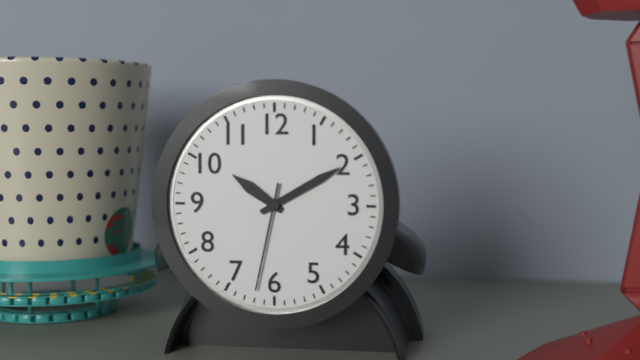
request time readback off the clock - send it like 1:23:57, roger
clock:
10:10:32
